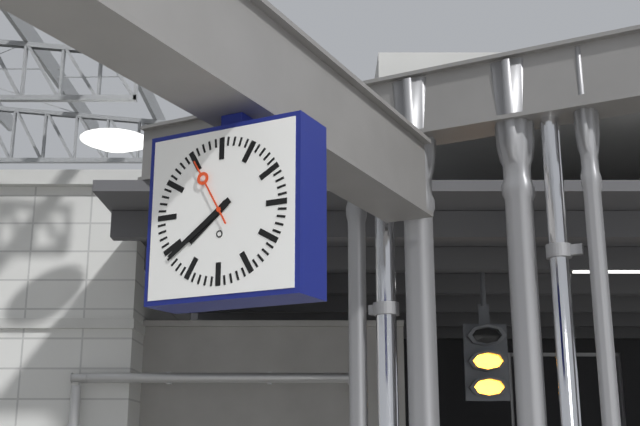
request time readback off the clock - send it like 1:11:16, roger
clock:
7:39:55
